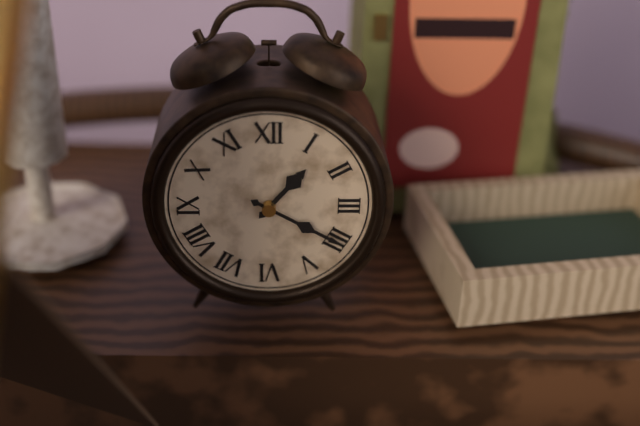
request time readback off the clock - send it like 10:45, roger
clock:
1:20
